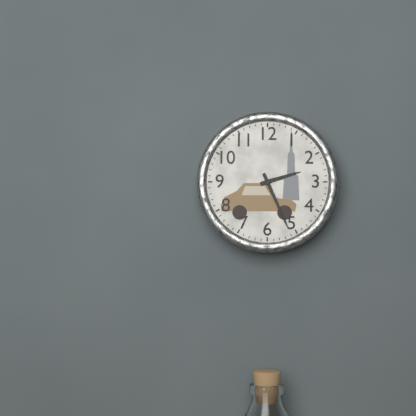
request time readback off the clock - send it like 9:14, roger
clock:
2:26
